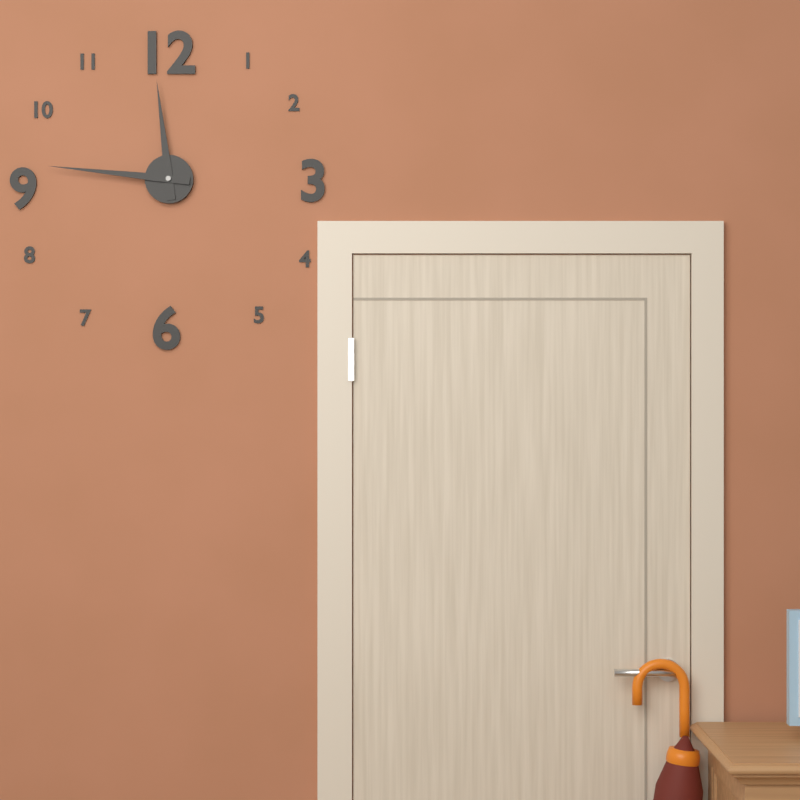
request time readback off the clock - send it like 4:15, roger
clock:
11:46
